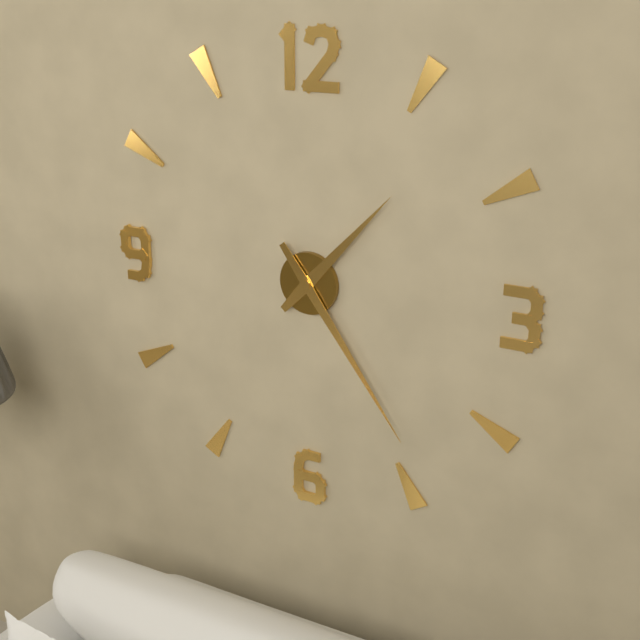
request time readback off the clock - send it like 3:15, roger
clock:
1:24
